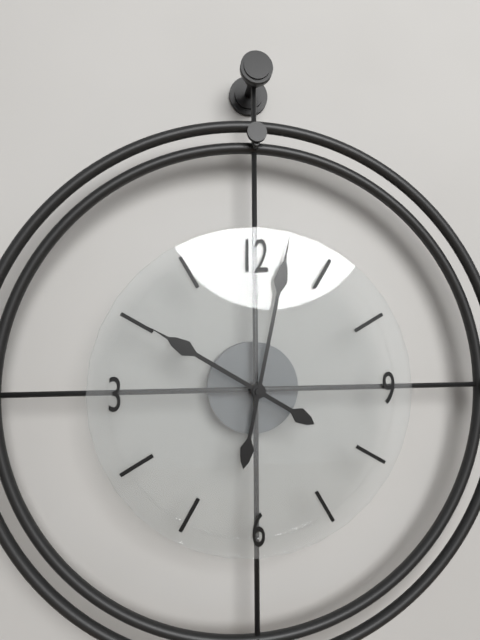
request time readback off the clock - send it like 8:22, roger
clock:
10:02
